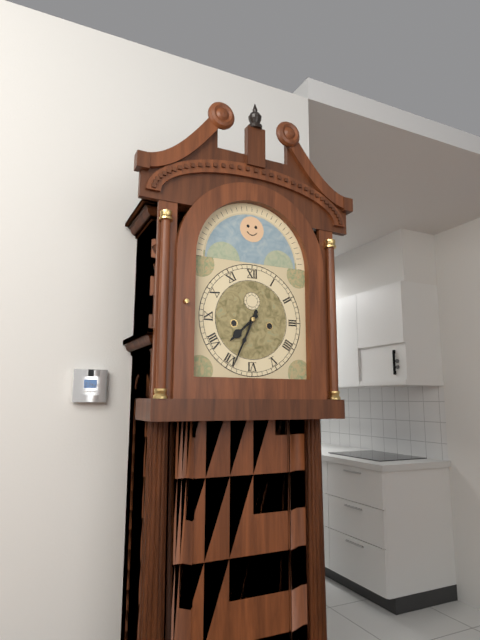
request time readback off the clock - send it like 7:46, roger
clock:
7:34
